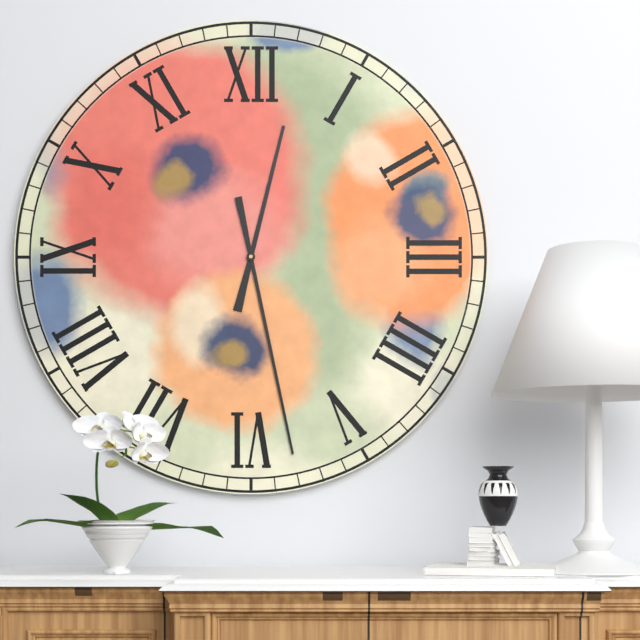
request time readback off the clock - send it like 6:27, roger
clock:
12:28
